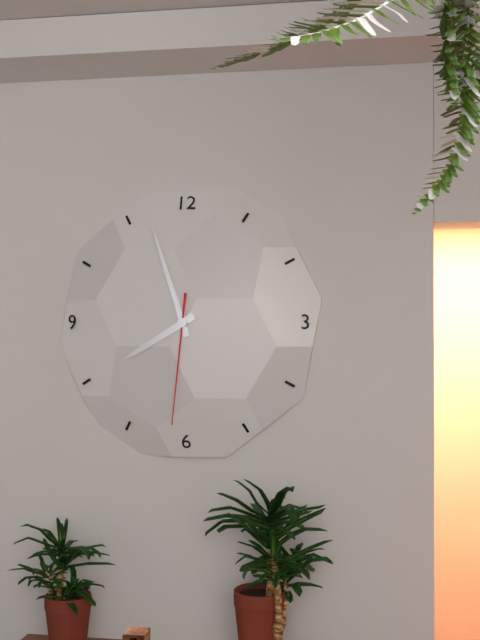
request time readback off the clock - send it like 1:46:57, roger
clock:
7:57:31
